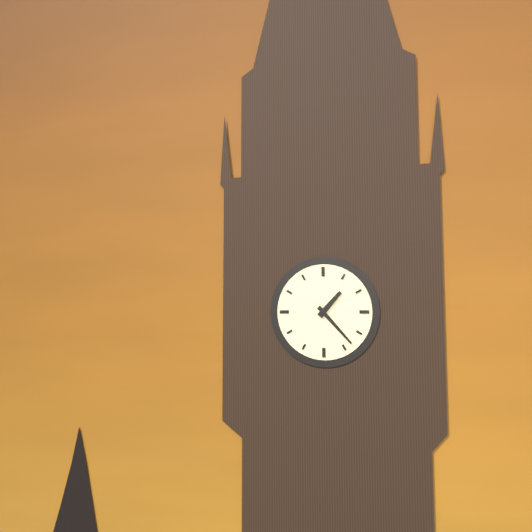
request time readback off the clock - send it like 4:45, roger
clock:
1:23
